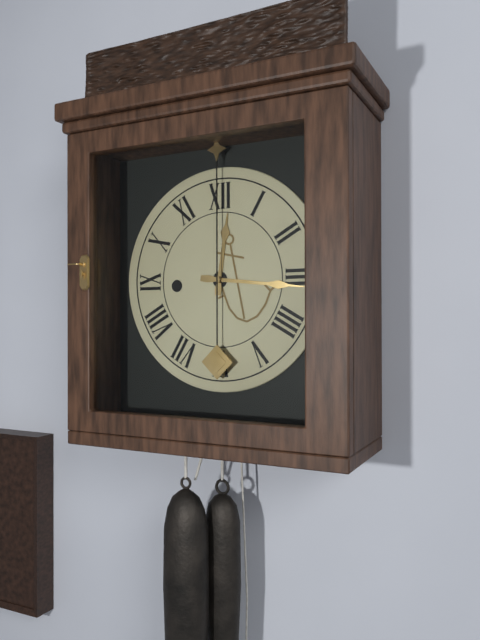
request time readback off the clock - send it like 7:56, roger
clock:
12:16
